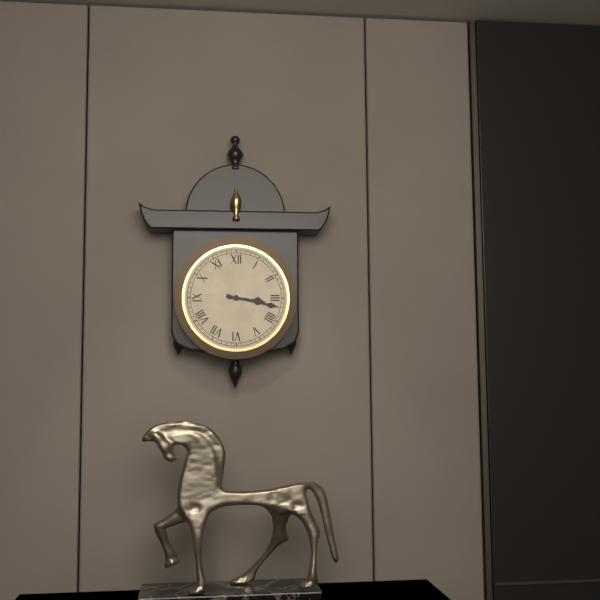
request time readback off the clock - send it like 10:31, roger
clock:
3:17
